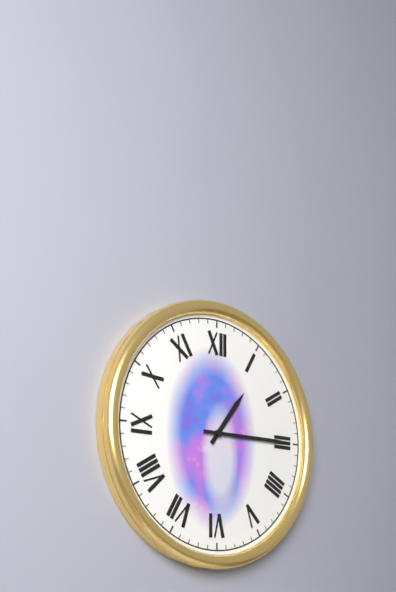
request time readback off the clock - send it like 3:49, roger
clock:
1:15
